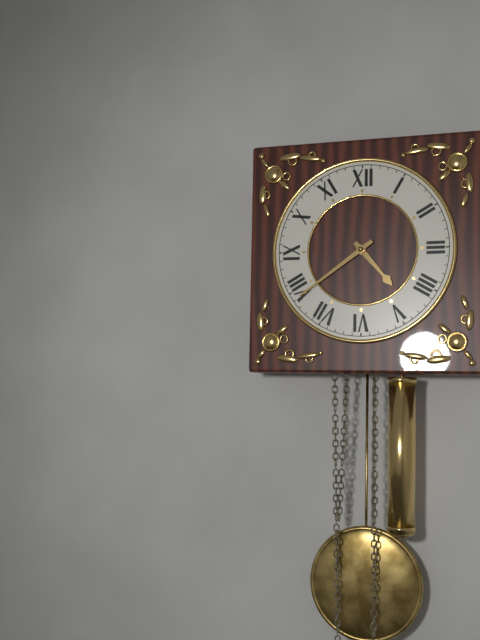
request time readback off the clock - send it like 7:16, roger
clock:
4:39
